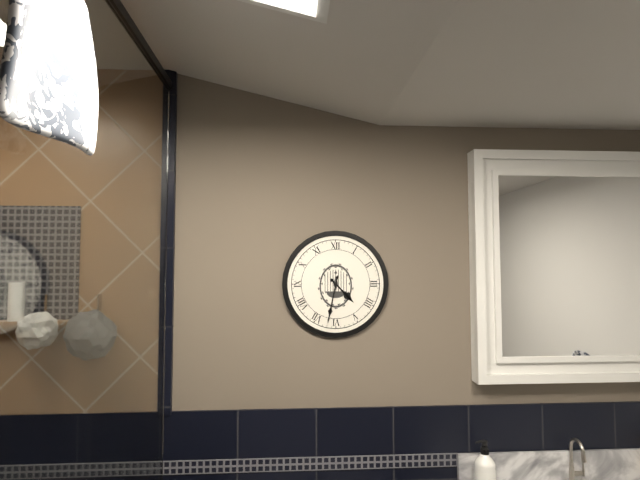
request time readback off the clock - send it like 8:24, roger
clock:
4:32
